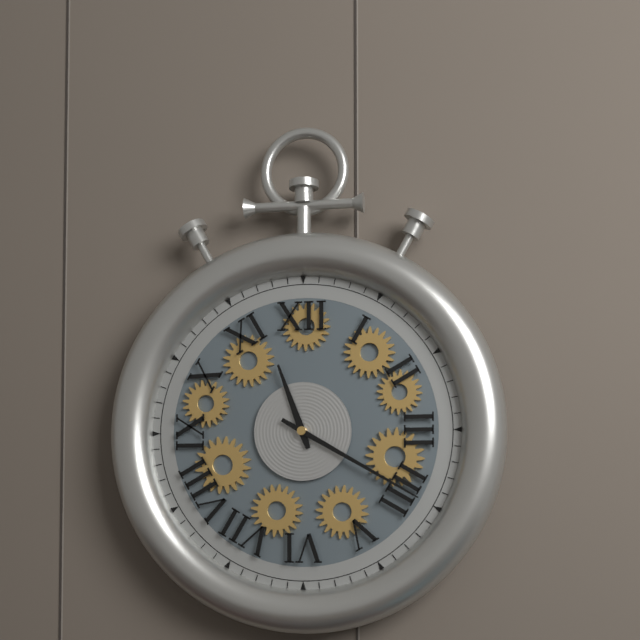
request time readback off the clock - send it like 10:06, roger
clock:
11:20
